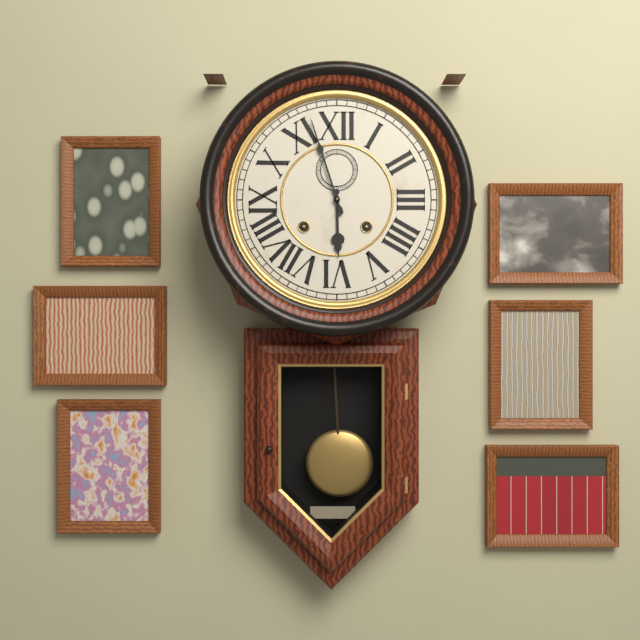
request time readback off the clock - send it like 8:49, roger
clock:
5:57
